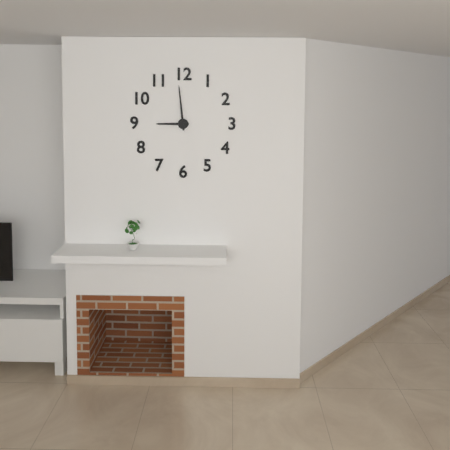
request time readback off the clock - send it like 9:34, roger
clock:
8:59
